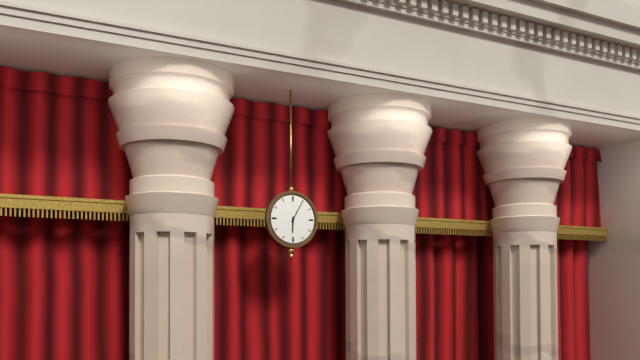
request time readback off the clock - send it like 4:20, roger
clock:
6:05
